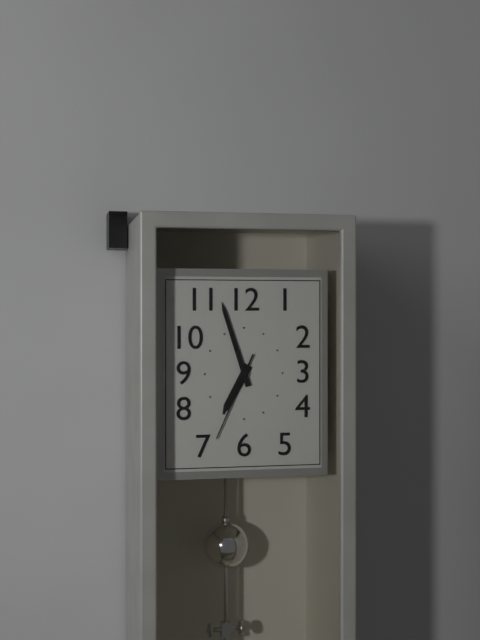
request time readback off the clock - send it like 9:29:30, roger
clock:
6:57:34
